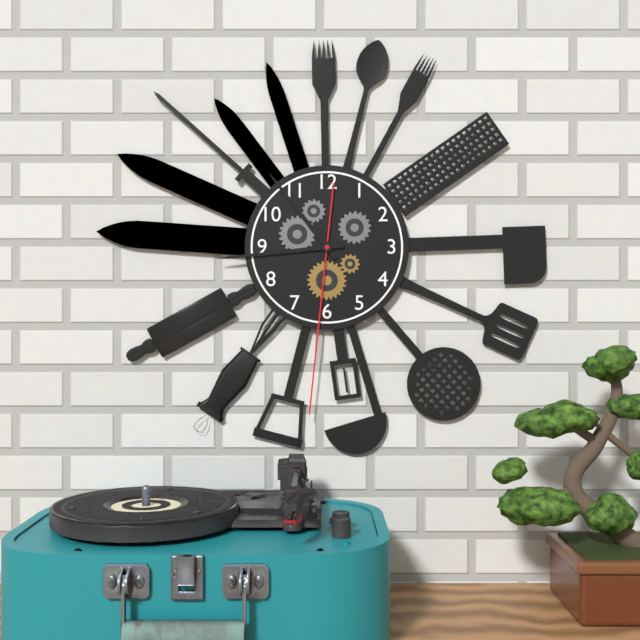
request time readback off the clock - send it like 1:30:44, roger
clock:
10:44:31
